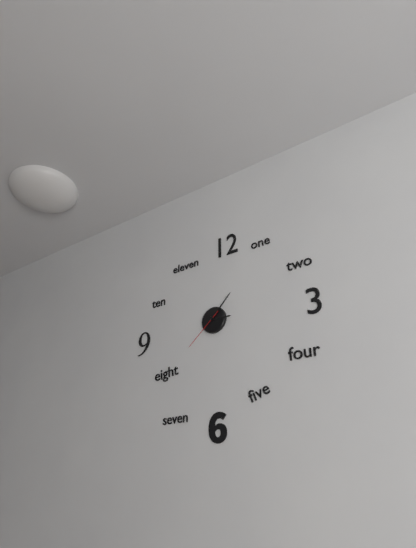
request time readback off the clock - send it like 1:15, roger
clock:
3:07
